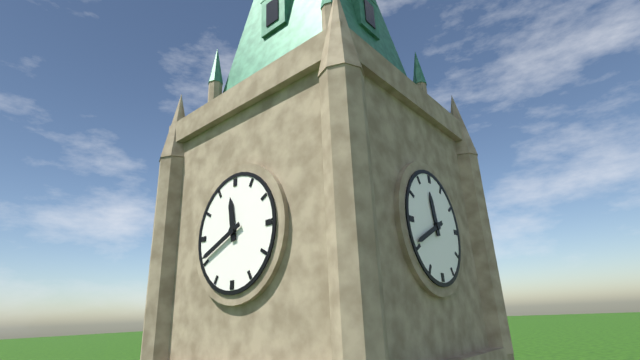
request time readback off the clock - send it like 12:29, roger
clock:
11:41
